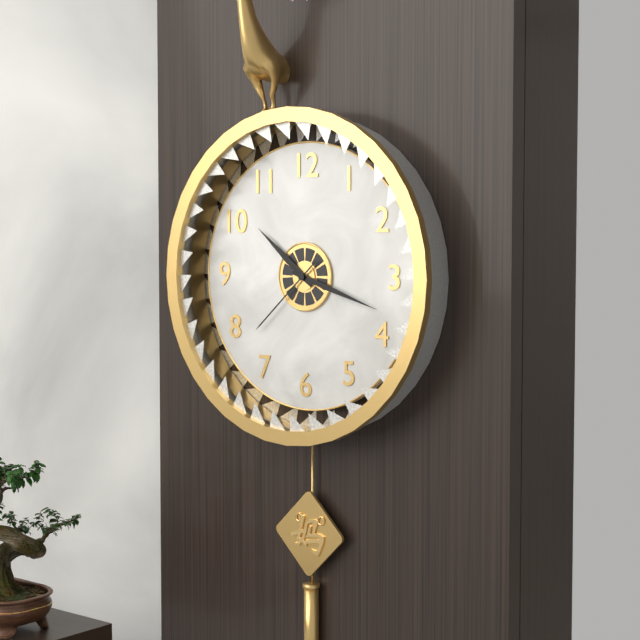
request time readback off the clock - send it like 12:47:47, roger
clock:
10:18:38
